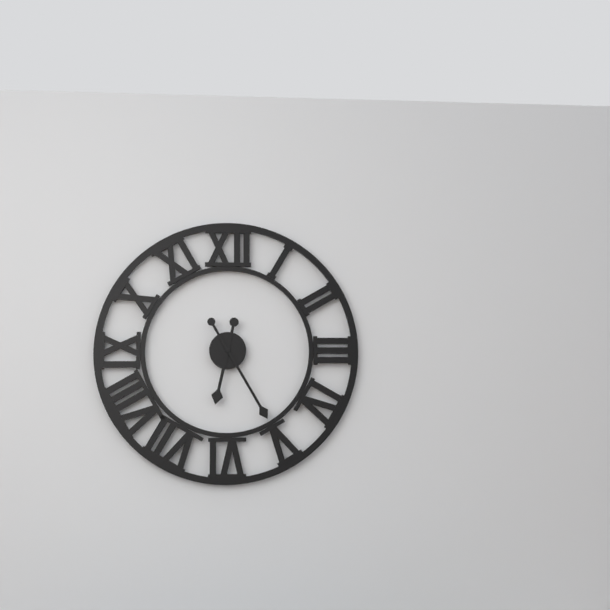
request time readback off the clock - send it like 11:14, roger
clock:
6:25
